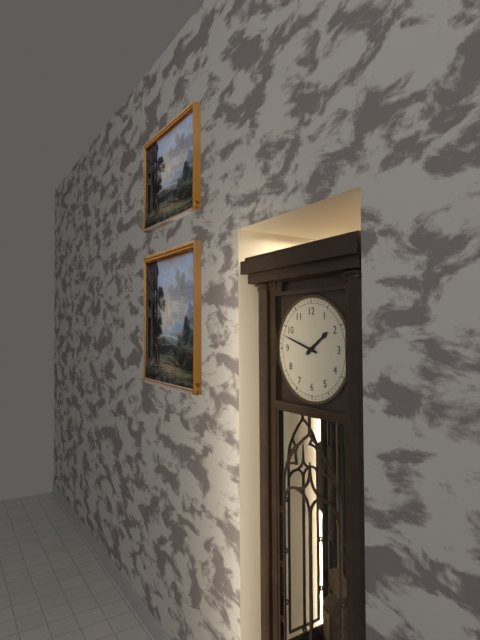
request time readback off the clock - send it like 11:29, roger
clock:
1:48
